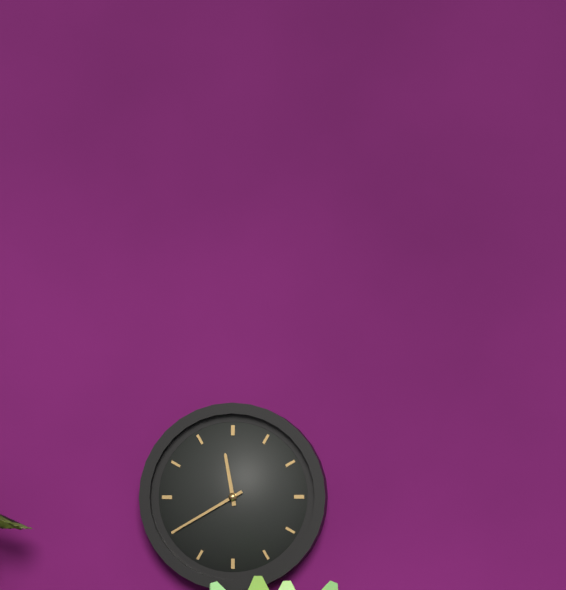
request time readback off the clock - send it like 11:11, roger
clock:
11:40
